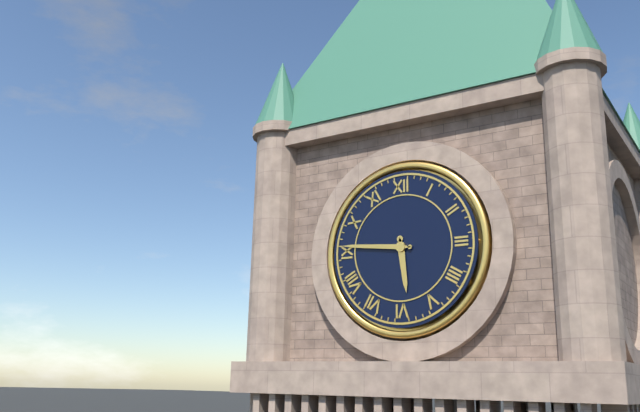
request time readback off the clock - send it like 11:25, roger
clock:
5:46
